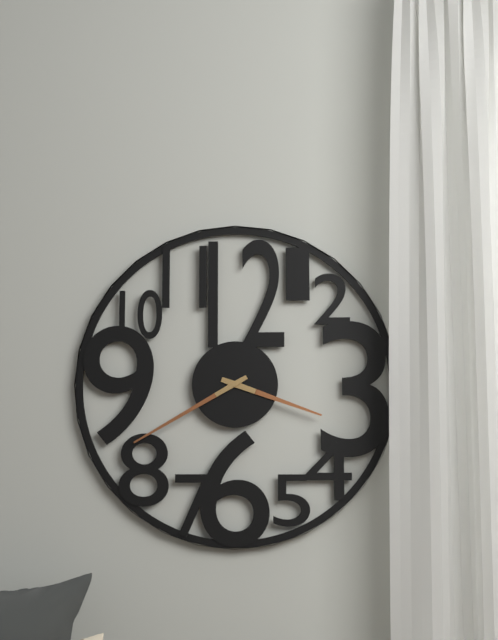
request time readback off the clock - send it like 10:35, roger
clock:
3:40
